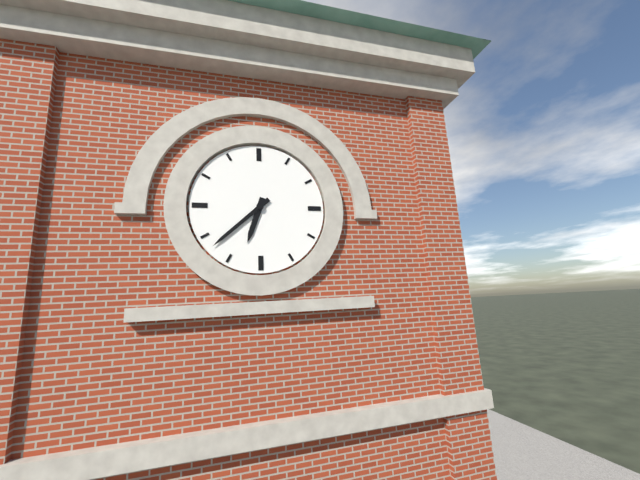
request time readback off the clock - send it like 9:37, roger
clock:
6:38
